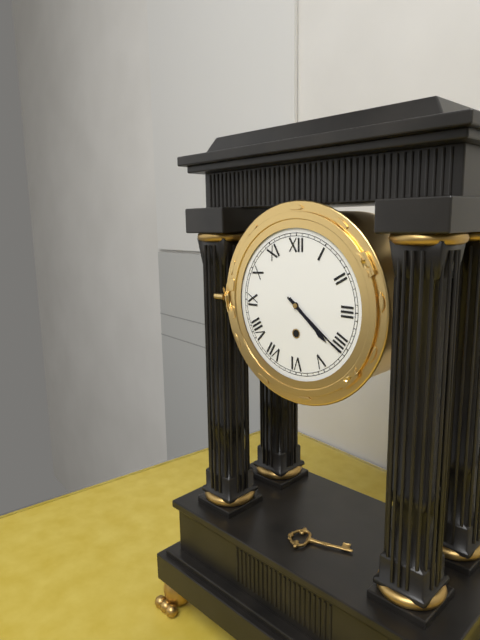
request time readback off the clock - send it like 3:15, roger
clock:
4:21
